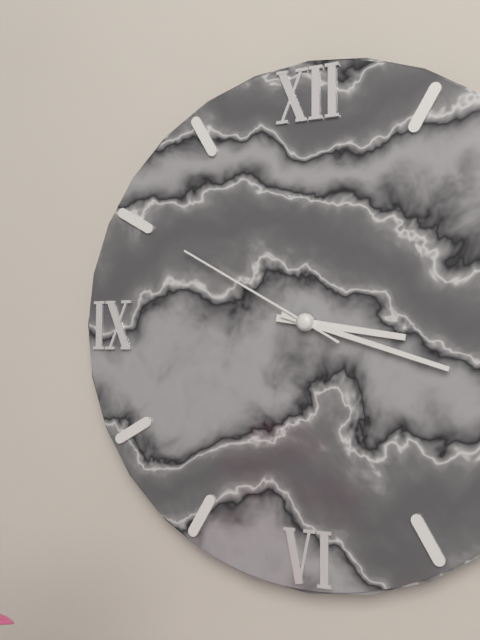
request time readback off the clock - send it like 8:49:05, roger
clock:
3:18:50
